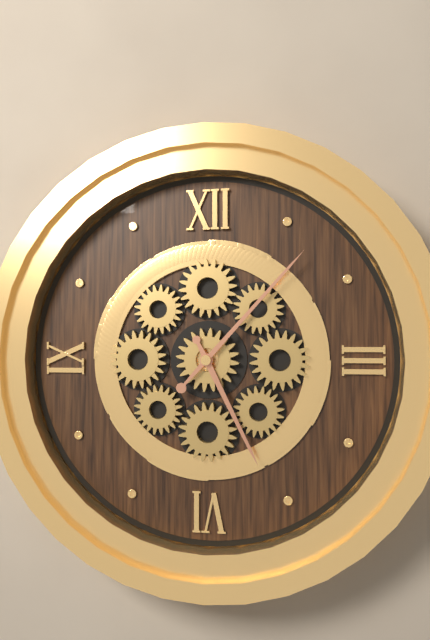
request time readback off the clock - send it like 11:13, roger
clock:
5:07
